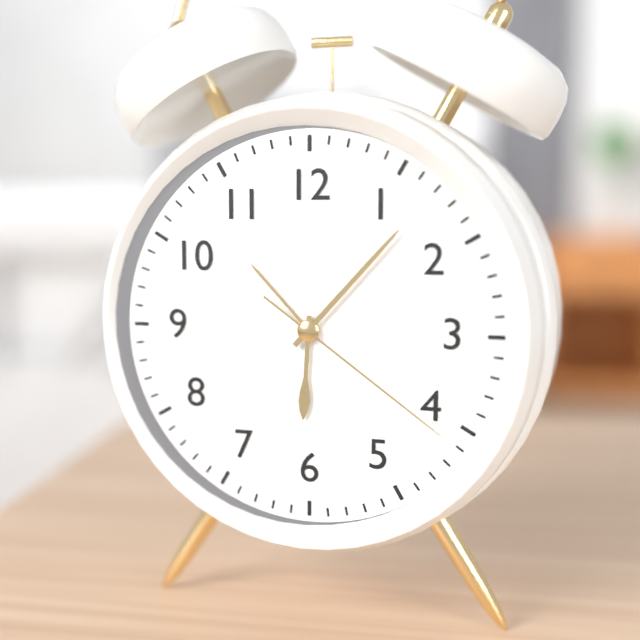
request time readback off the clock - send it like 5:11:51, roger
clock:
6:07:21
